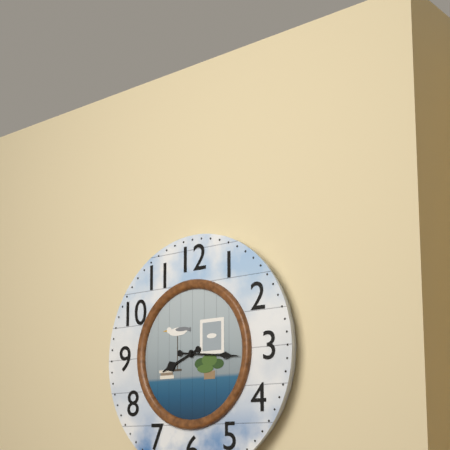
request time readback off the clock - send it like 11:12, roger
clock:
8:16
